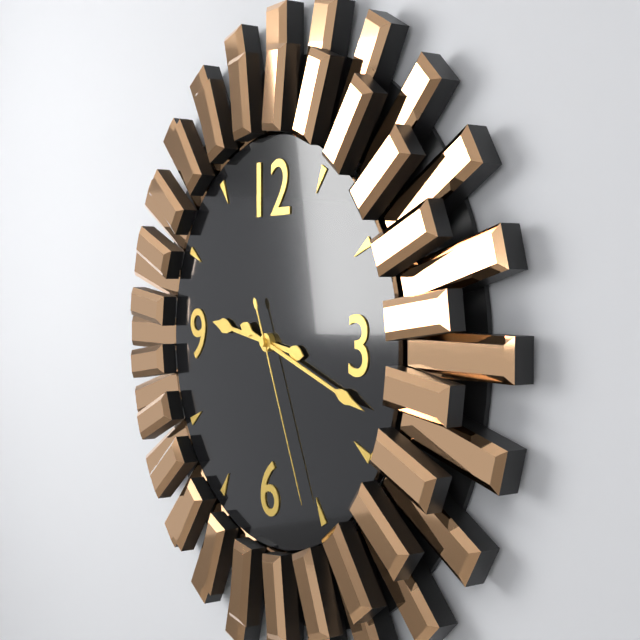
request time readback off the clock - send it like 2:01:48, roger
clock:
9:18:26
